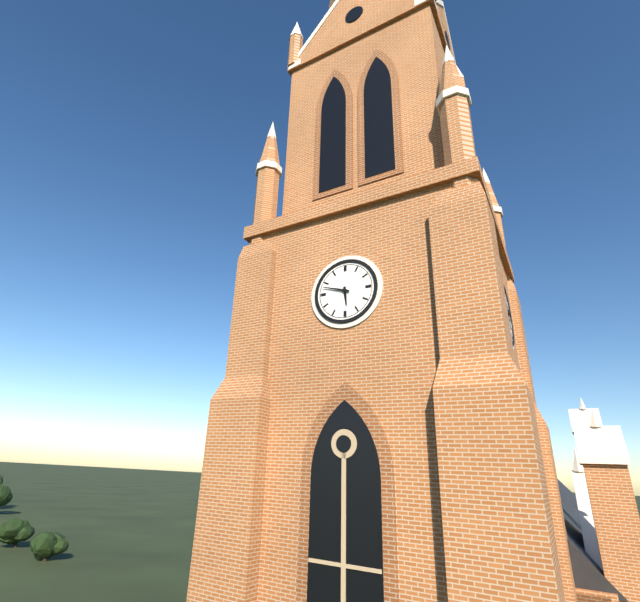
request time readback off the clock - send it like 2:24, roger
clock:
5:48
